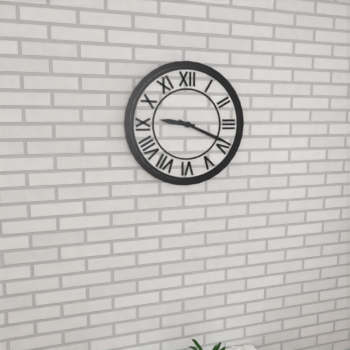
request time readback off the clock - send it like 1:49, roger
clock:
9:19
